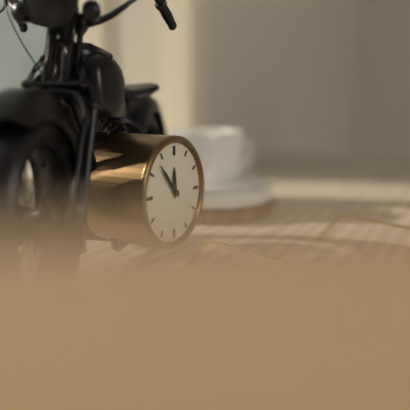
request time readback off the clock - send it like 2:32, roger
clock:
11:53
